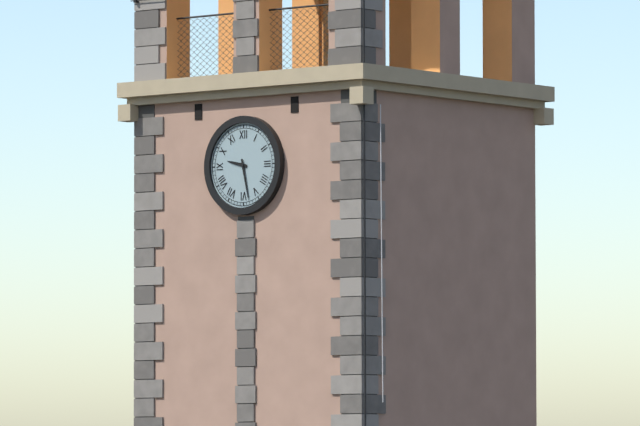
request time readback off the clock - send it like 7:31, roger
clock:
9:28
